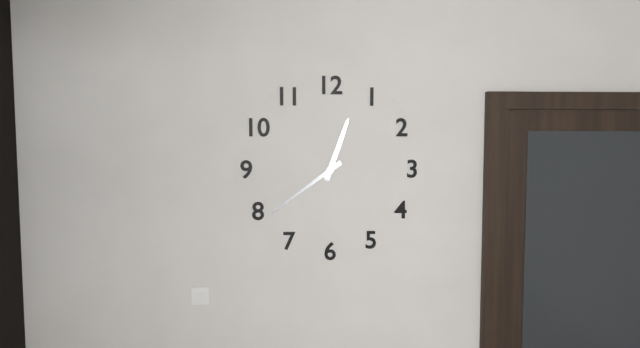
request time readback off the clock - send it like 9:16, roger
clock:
12:39
